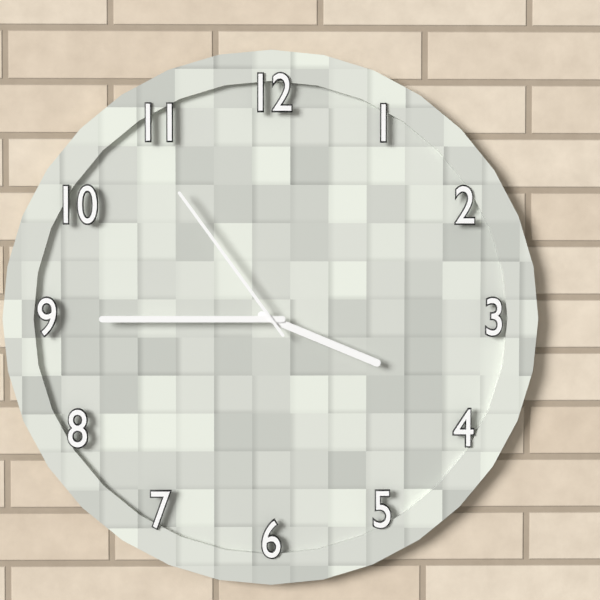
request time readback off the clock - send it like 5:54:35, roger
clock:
3:45:54
